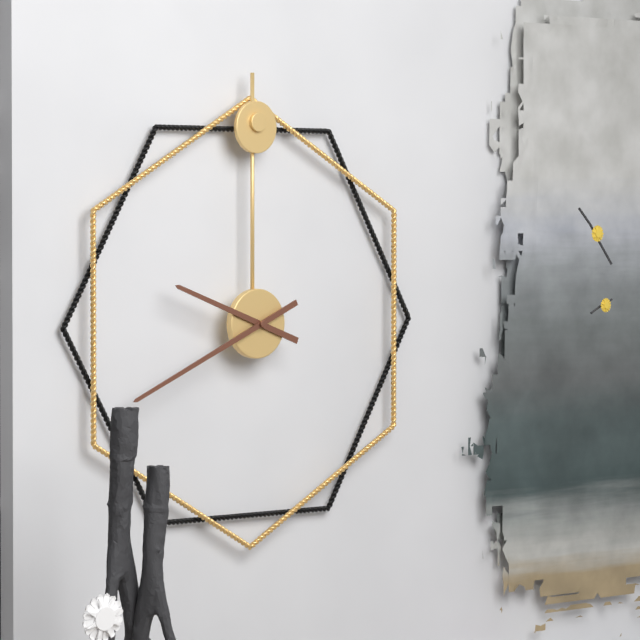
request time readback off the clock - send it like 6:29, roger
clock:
9:41
